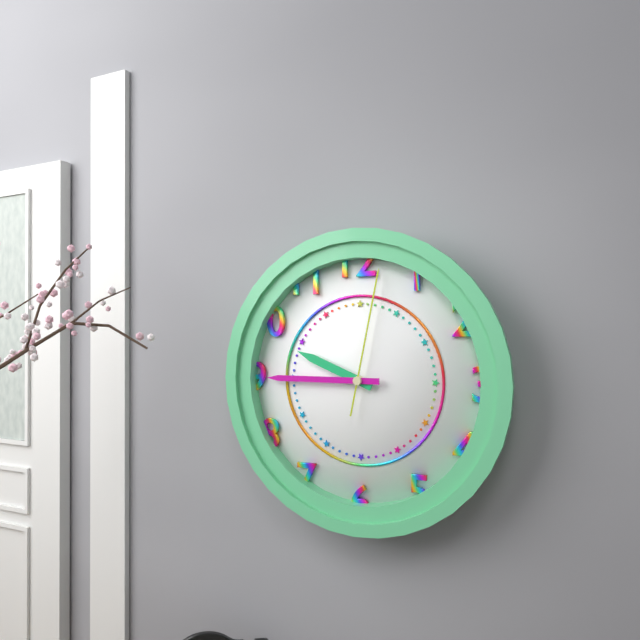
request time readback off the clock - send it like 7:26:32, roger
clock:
9:45:02
